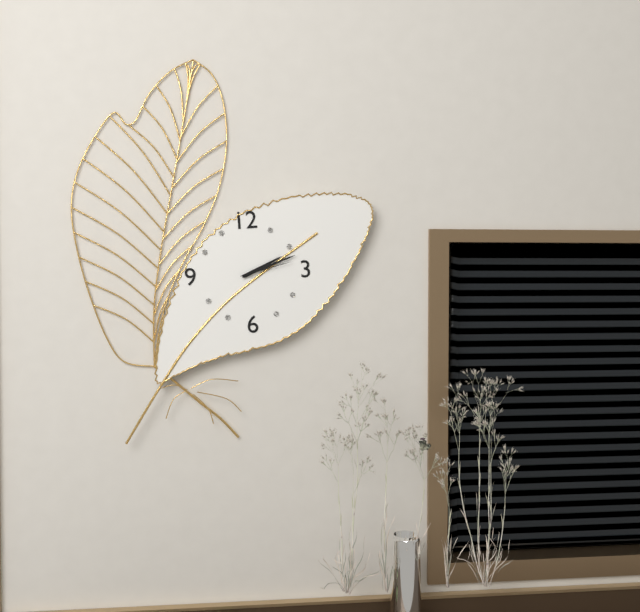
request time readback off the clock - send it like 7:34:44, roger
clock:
2:12:13
